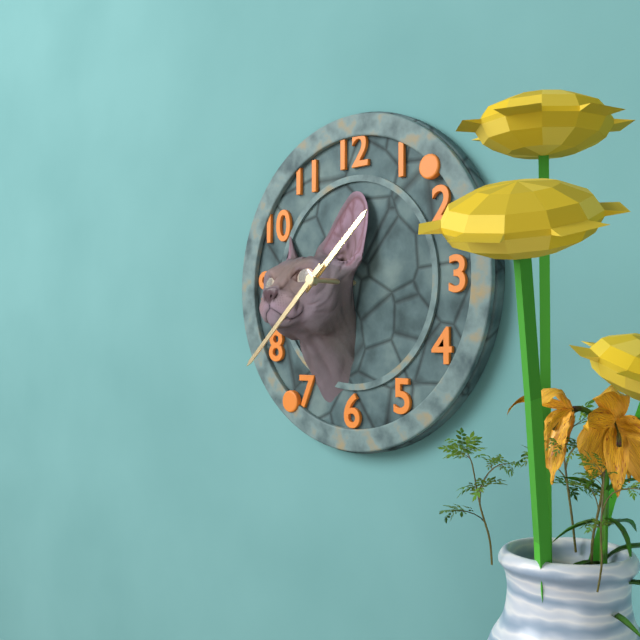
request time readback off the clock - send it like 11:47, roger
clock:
1:38
